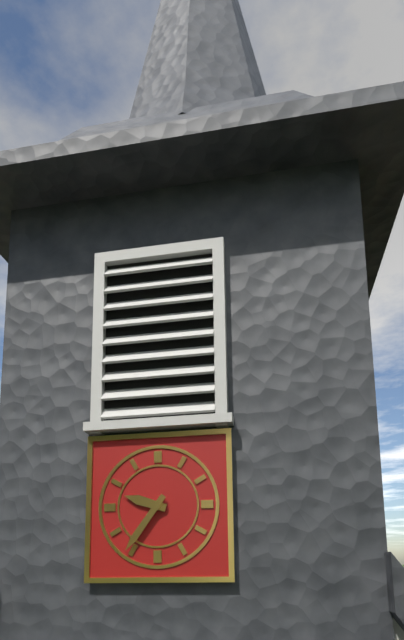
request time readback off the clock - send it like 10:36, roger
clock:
9:36
